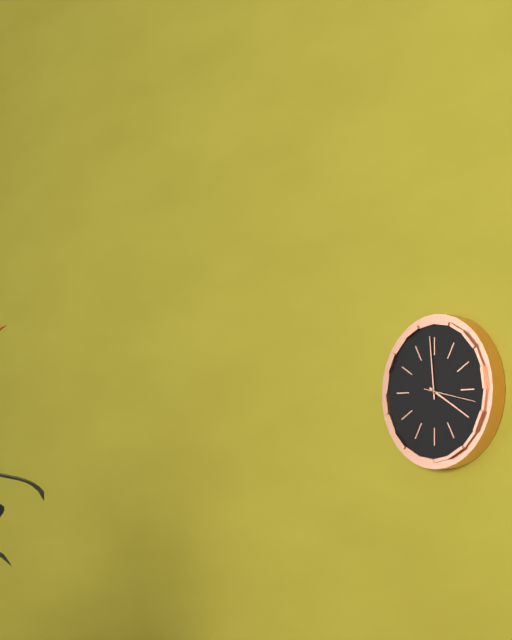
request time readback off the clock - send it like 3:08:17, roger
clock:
3:59:17
